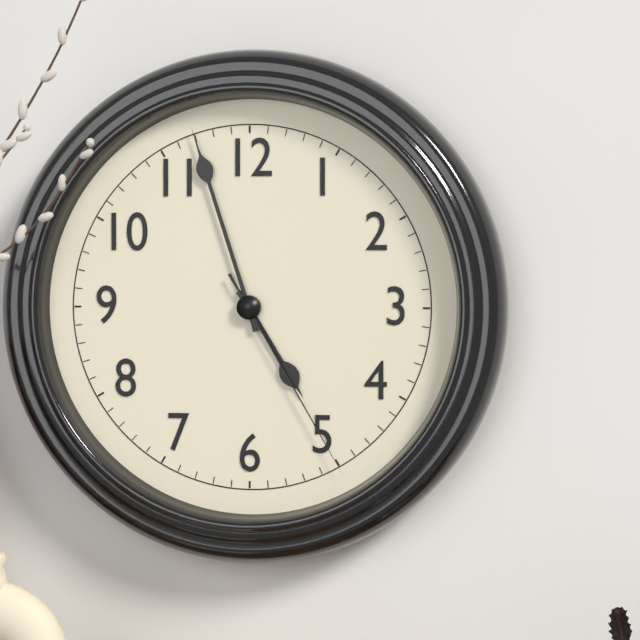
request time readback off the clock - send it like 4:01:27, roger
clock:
4:57:25
